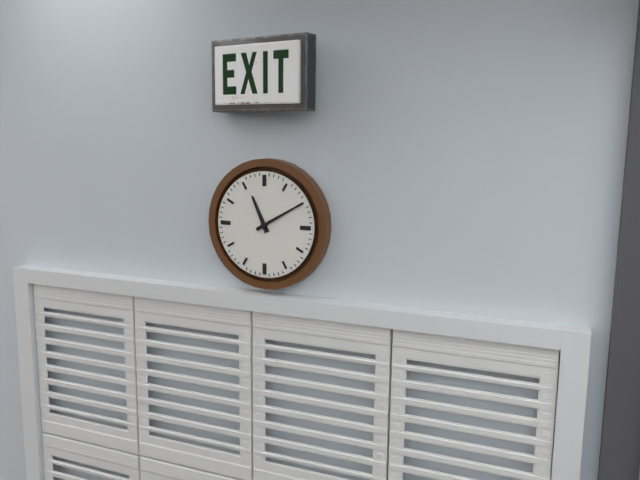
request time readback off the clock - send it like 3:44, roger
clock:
11:10
